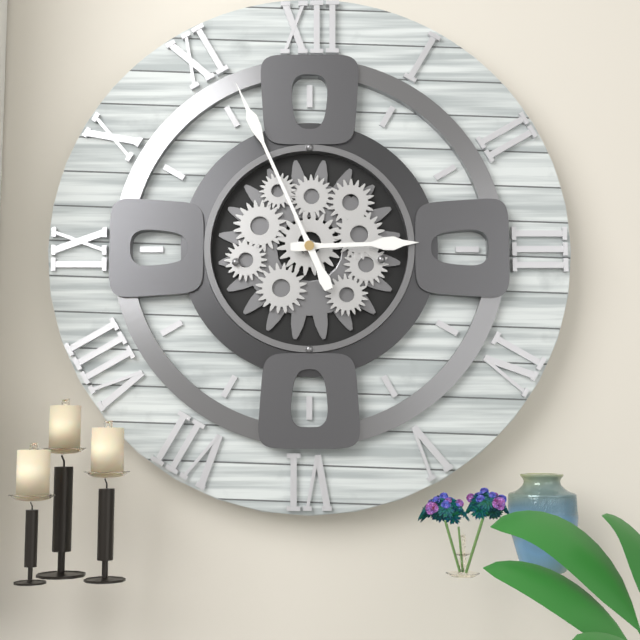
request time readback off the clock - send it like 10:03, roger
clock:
2:56
